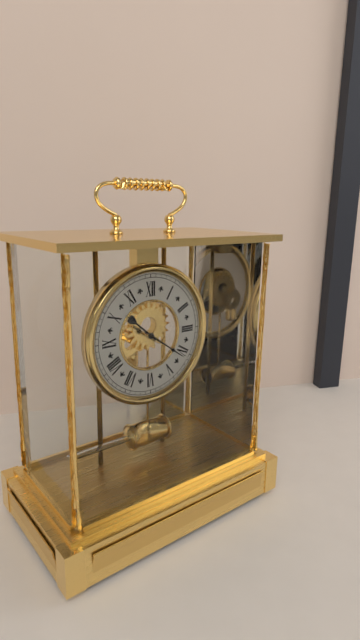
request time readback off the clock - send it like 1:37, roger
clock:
10:21
